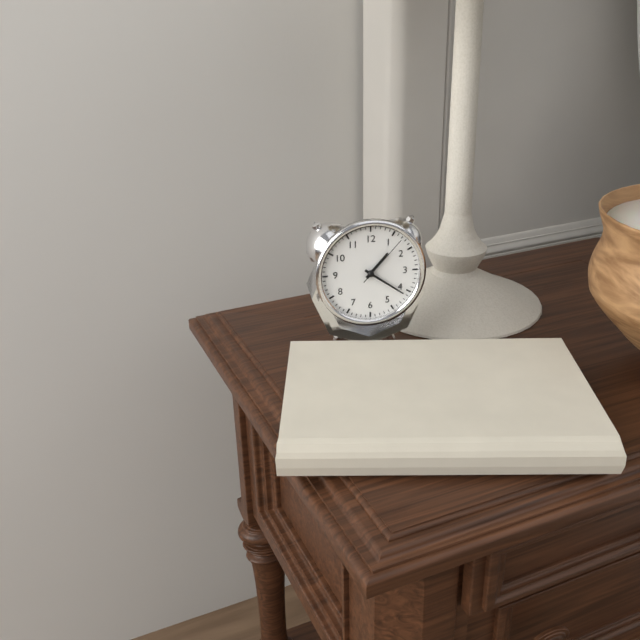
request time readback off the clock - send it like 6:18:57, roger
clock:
1:21:07
